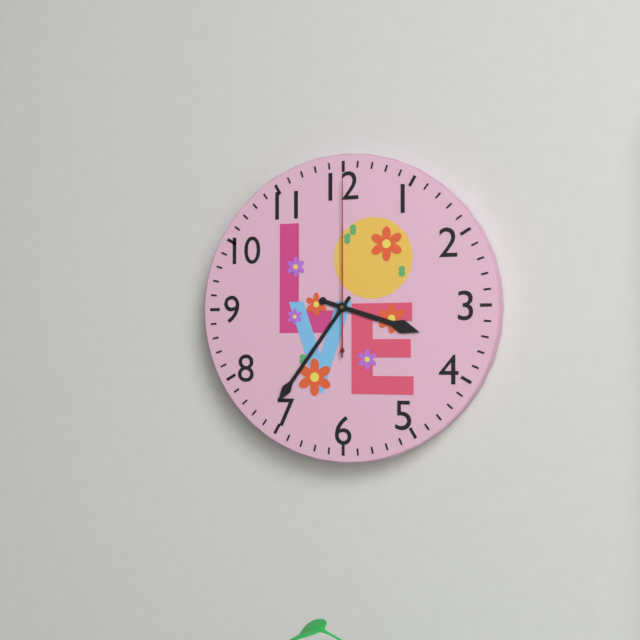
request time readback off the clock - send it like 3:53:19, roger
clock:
3:36:00
